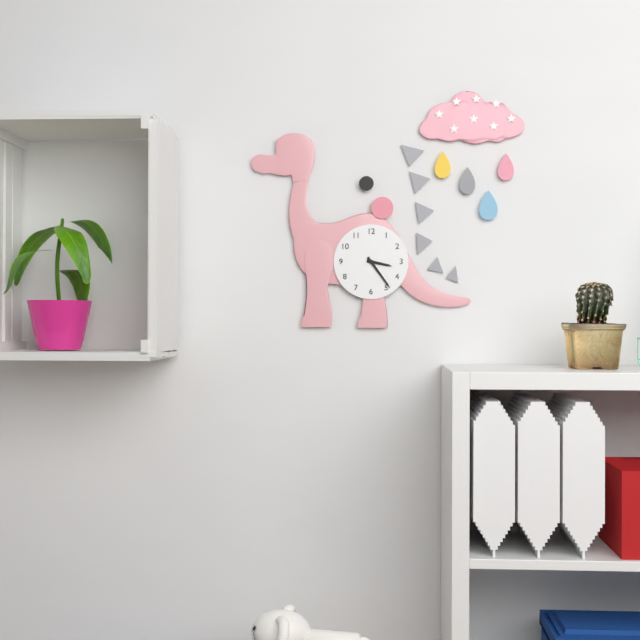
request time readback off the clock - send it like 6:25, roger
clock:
3:24
